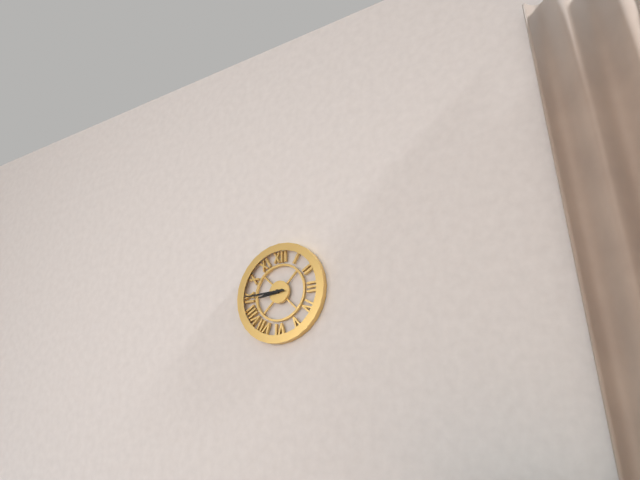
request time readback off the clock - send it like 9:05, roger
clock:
8:45
